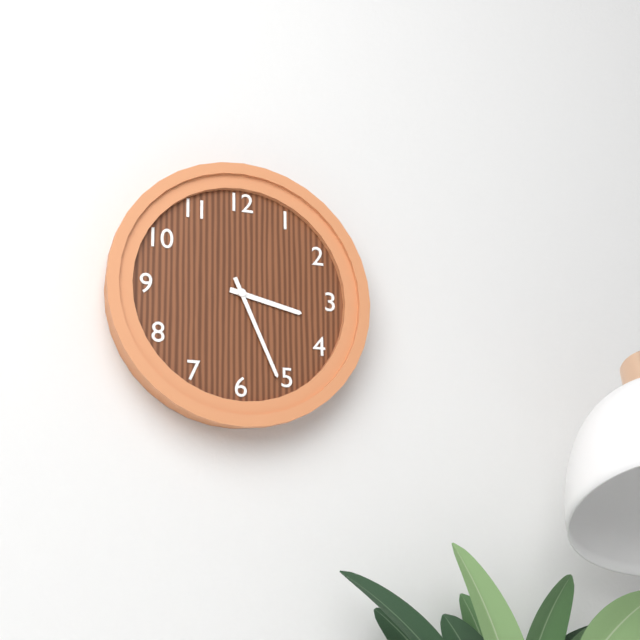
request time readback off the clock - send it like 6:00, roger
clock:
3:26
